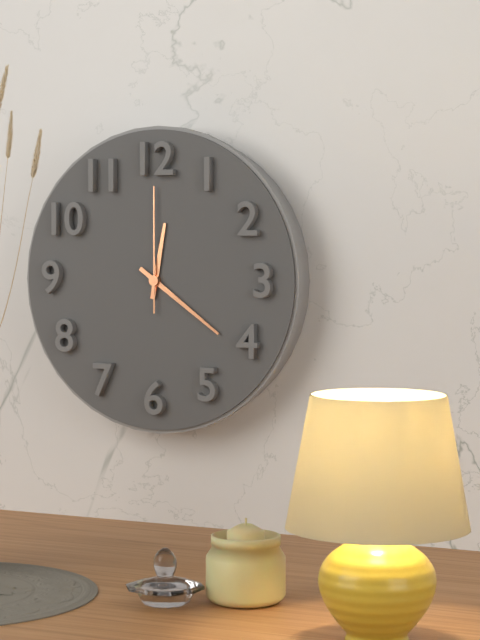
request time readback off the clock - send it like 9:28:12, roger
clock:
12:21:00
